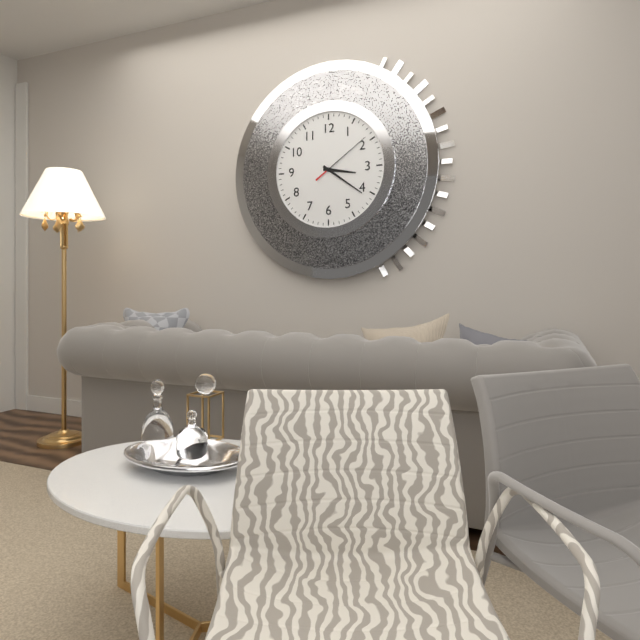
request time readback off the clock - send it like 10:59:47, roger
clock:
3:21:09
